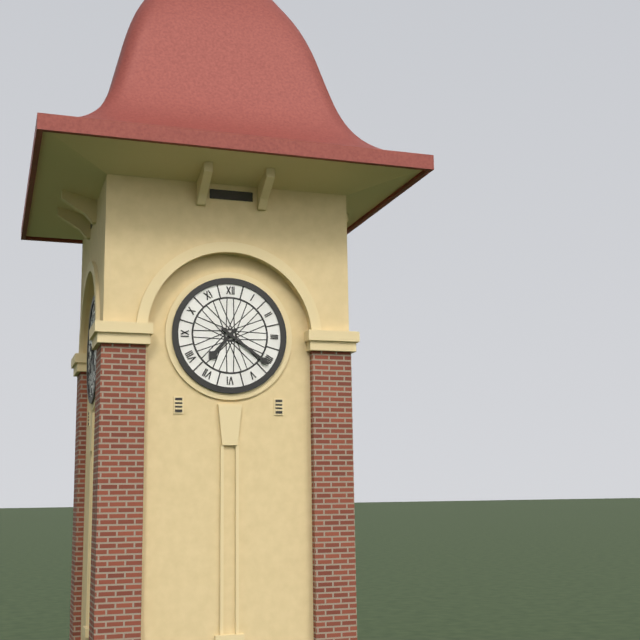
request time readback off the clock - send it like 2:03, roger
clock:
7:21
